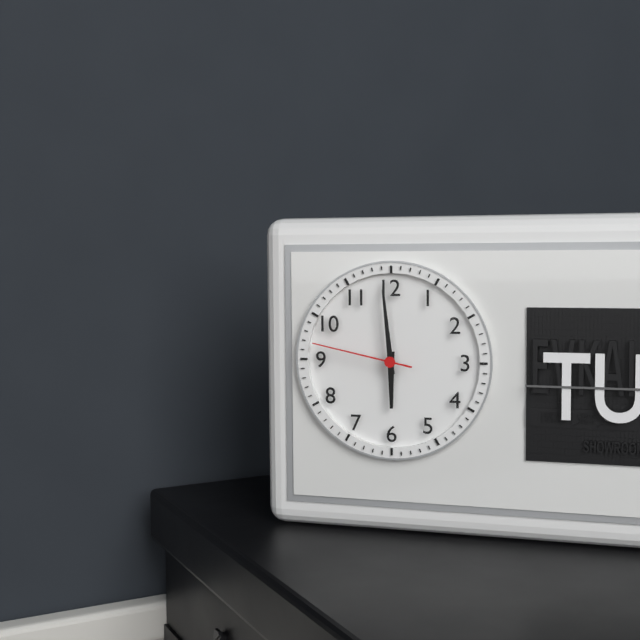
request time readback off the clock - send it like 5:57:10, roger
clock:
5:59:47
